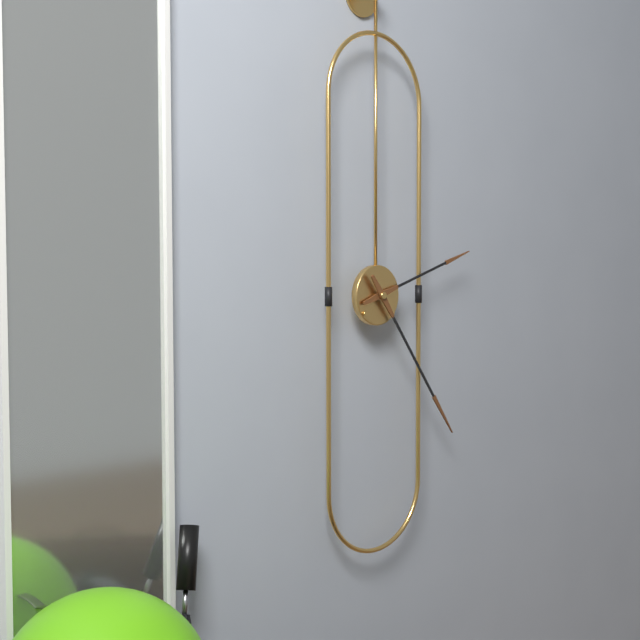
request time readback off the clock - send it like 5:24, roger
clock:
2:24
